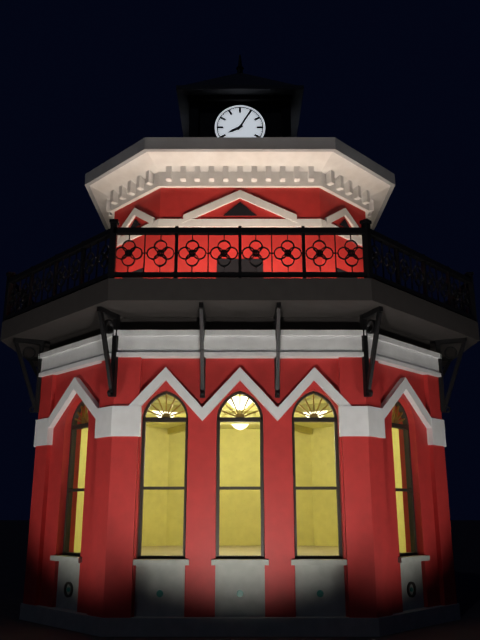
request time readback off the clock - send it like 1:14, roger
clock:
8:05
